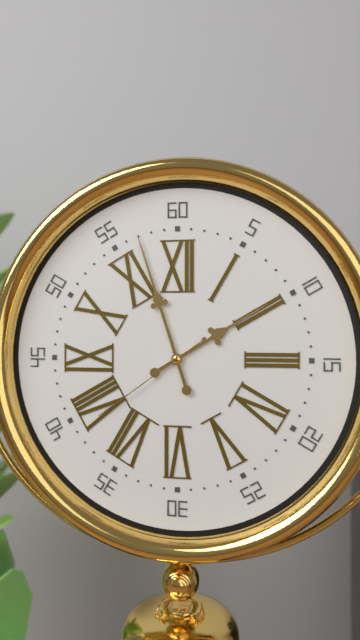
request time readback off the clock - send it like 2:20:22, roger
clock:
1:57:39
